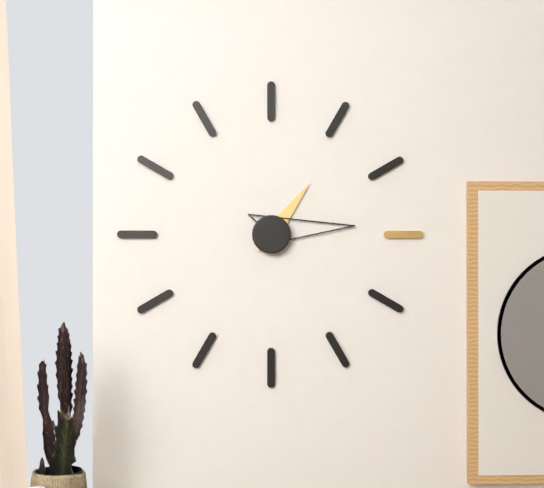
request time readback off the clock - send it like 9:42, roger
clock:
1:14
